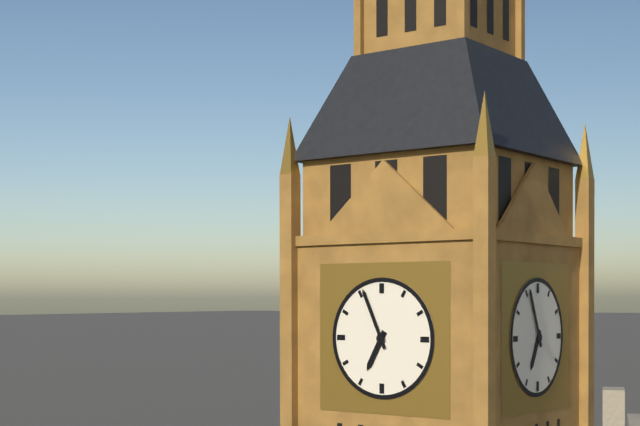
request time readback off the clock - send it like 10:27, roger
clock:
6:56
